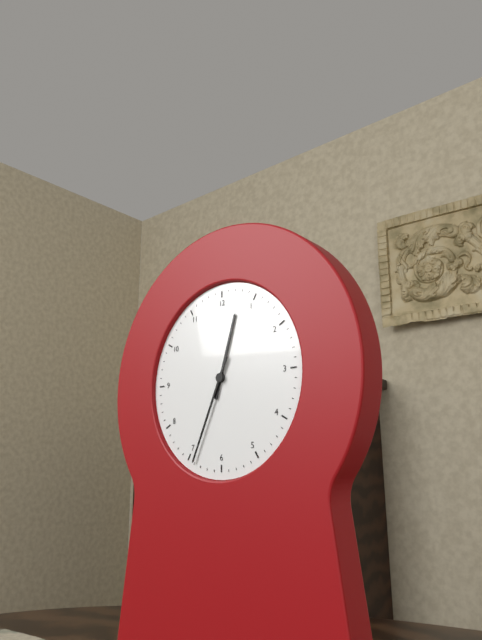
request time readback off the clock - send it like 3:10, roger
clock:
12:34
